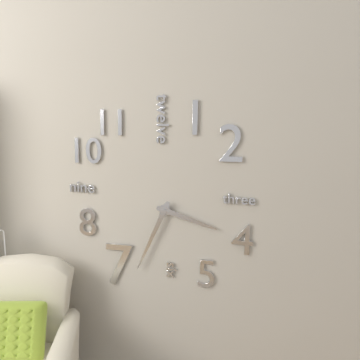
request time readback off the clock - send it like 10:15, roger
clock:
3:34
